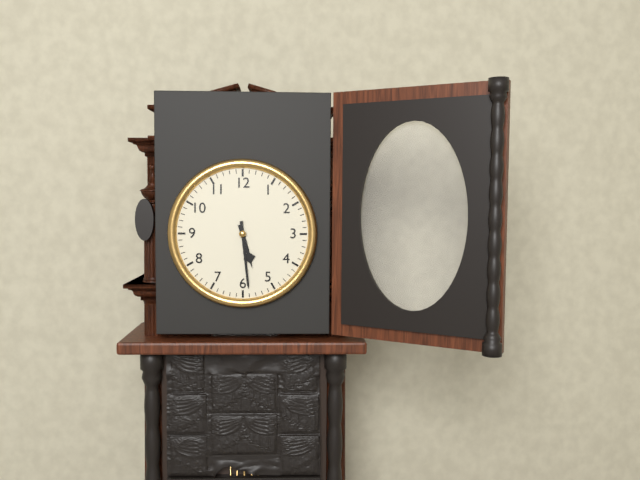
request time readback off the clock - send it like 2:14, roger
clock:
5:29
